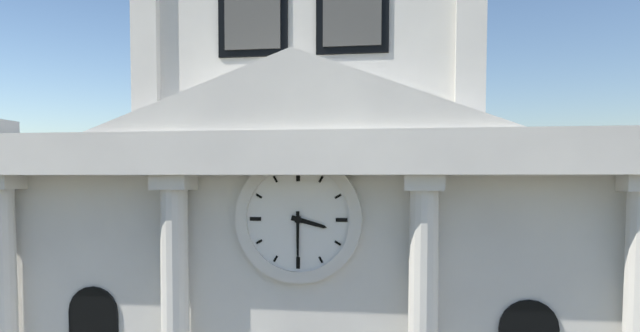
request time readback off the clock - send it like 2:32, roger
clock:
3:30
